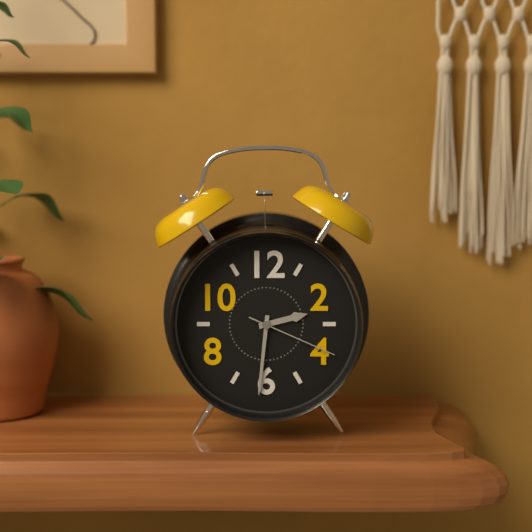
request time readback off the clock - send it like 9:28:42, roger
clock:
2:31:19
